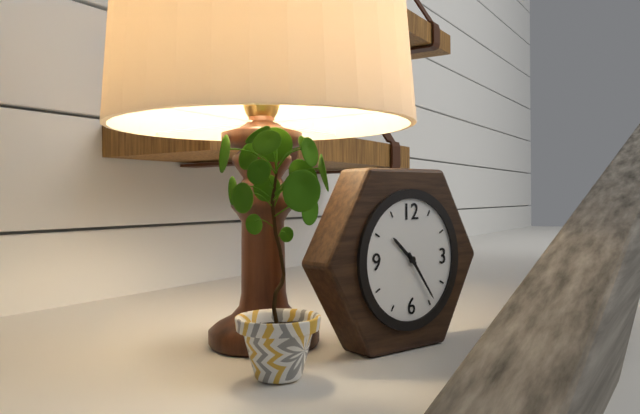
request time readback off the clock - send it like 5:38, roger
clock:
10:24
